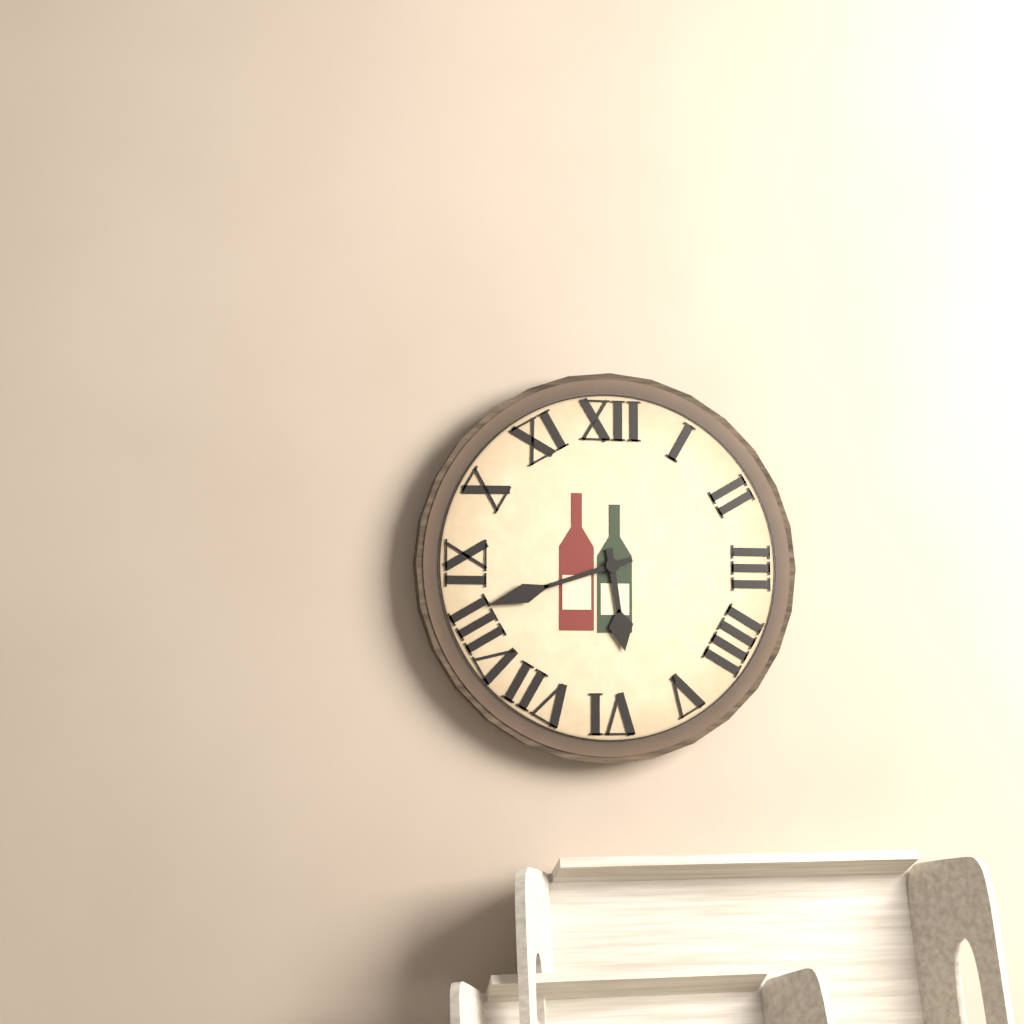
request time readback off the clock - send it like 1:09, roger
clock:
5:42
